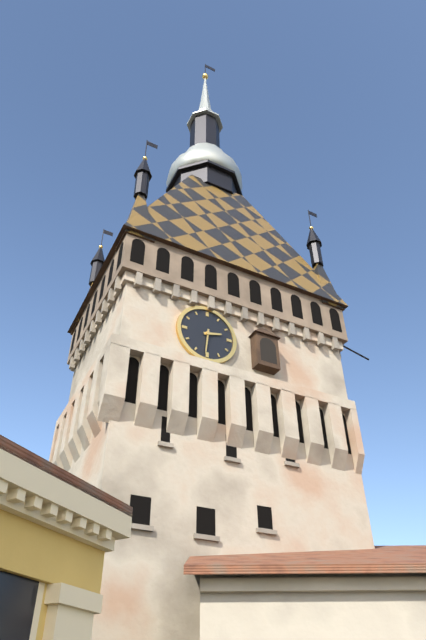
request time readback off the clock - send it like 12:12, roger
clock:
2:31
